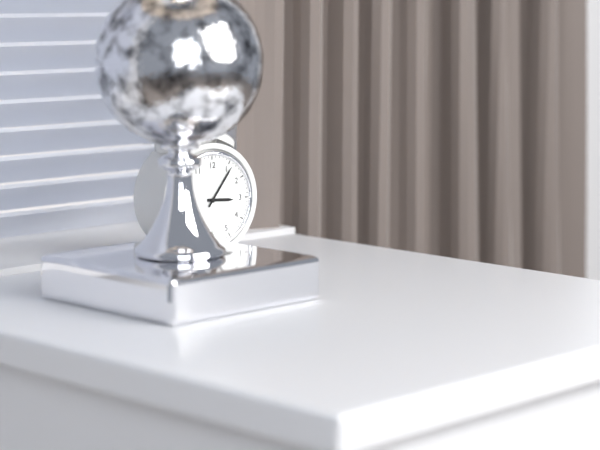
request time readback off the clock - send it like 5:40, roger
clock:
3:06
